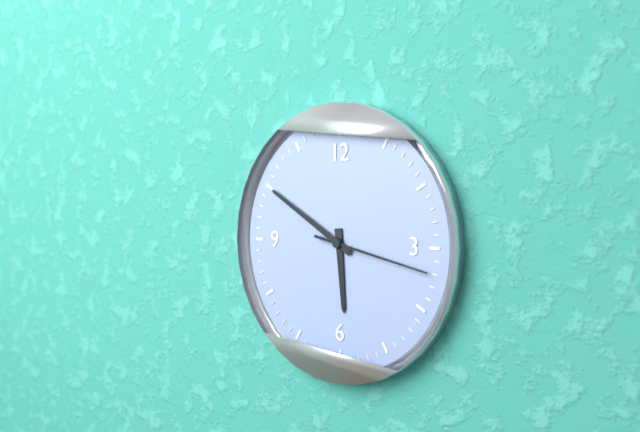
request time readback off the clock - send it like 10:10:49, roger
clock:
5:50:17
